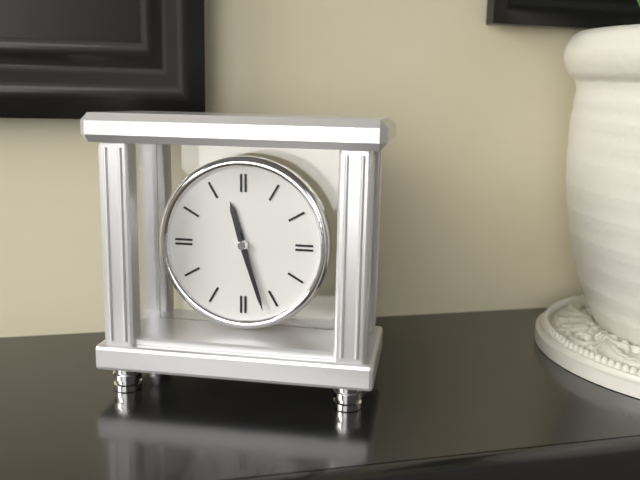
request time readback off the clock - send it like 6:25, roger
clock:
11:27
